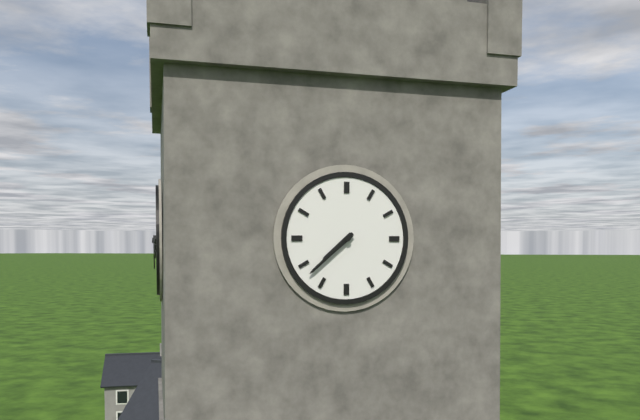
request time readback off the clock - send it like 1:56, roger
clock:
7:38
